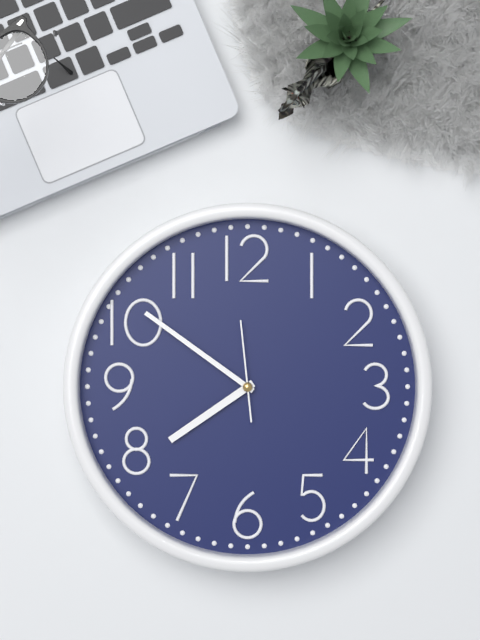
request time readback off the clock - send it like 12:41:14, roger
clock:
7:51:59
